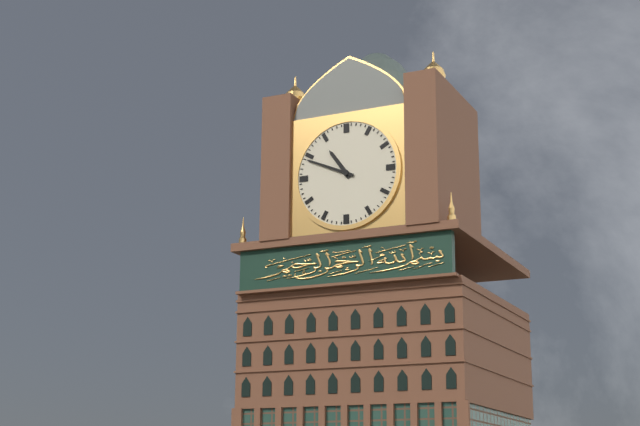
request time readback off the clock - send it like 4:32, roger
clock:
10:49
